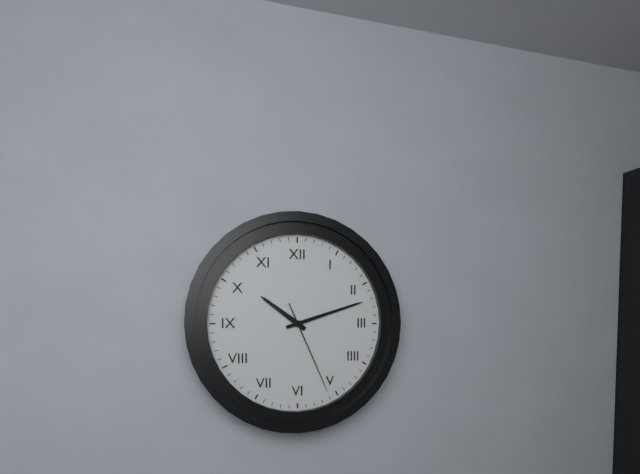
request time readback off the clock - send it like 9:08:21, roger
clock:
10:12:26
